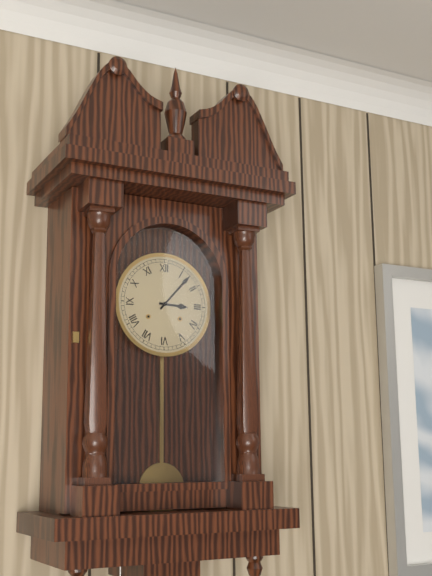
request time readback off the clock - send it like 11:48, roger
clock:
3:07
